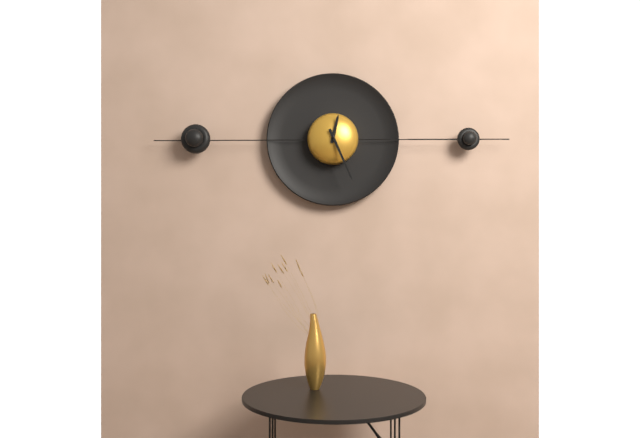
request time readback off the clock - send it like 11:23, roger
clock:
12:26
